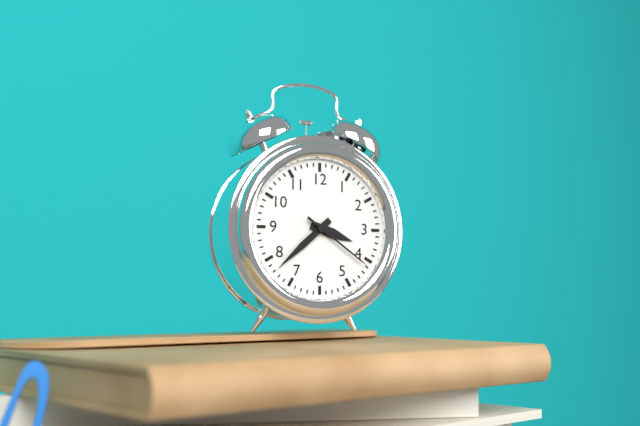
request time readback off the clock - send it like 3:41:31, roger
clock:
3:38:21
